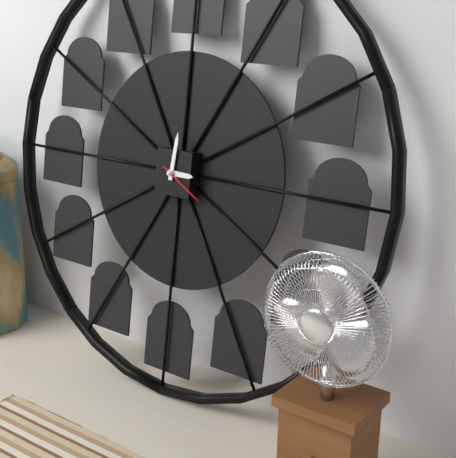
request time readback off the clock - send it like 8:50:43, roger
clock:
3:01:20
